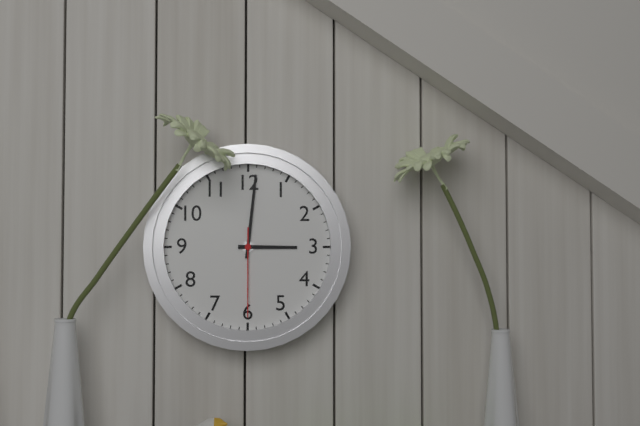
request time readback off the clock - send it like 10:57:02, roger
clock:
3:01:30
